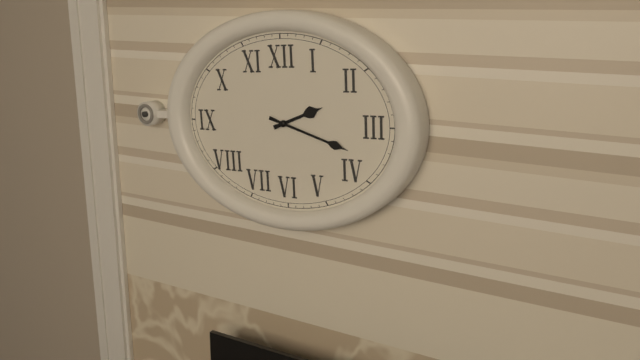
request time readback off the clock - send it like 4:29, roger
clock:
2:18
